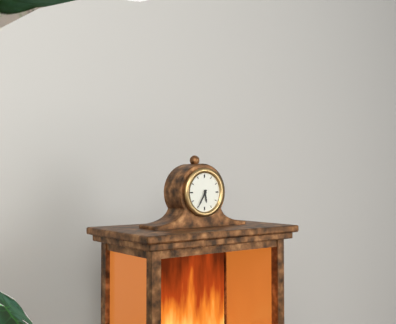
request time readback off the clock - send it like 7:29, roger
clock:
5:35
